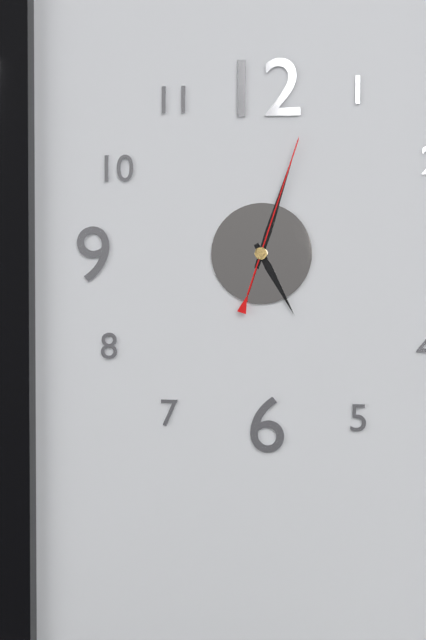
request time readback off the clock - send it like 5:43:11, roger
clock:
5:03:03
